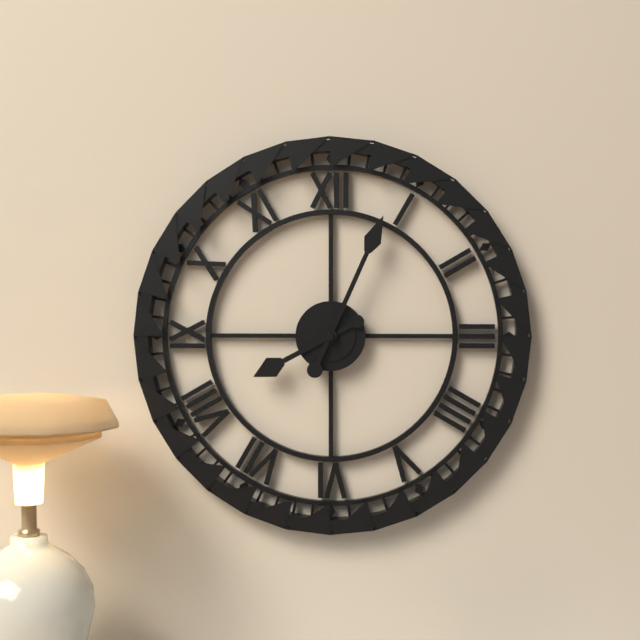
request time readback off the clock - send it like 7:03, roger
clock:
8:04
